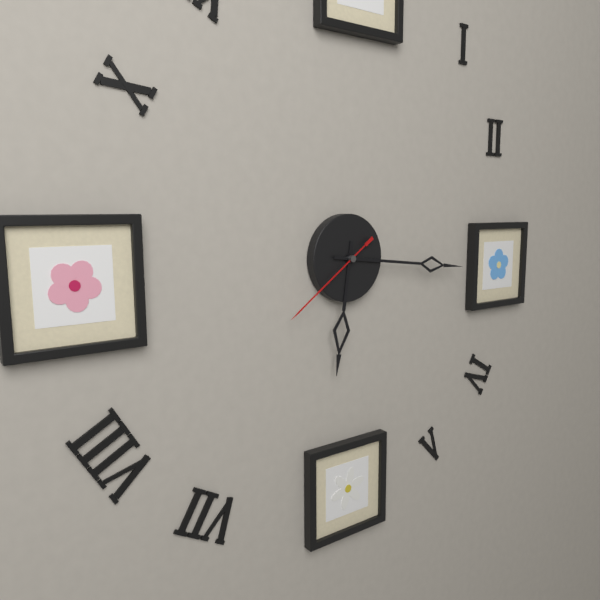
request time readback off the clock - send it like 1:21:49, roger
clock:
6:16:39
